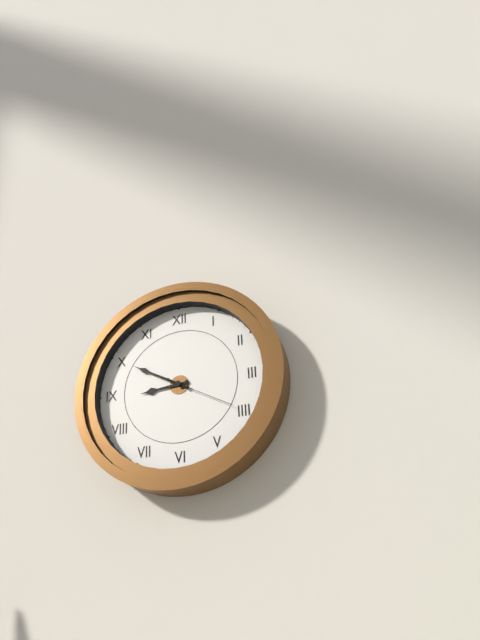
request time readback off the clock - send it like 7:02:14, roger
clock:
8:50:20
